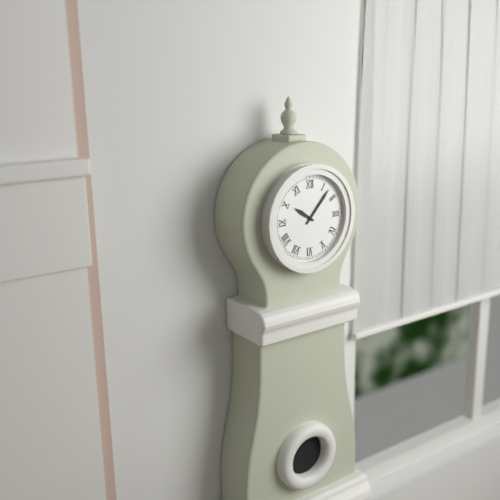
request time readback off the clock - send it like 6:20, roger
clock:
10:07
